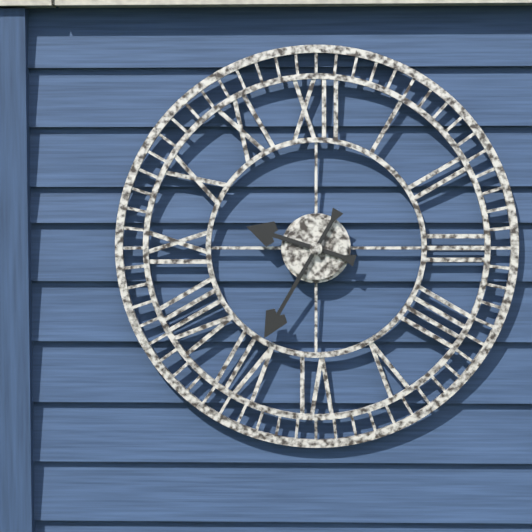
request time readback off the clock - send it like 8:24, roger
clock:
9:35
